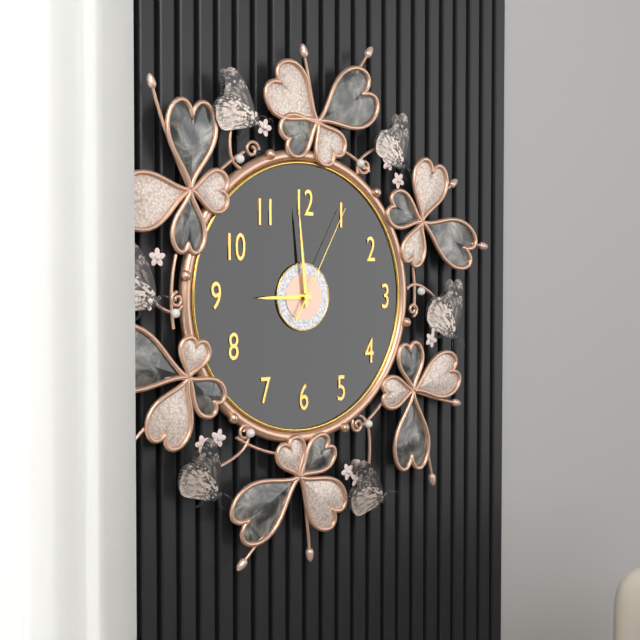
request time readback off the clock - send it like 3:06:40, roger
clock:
8:59:05
